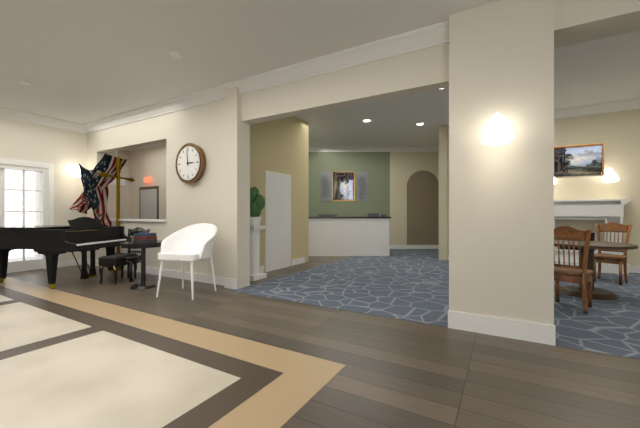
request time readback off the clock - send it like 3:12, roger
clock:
2:59
